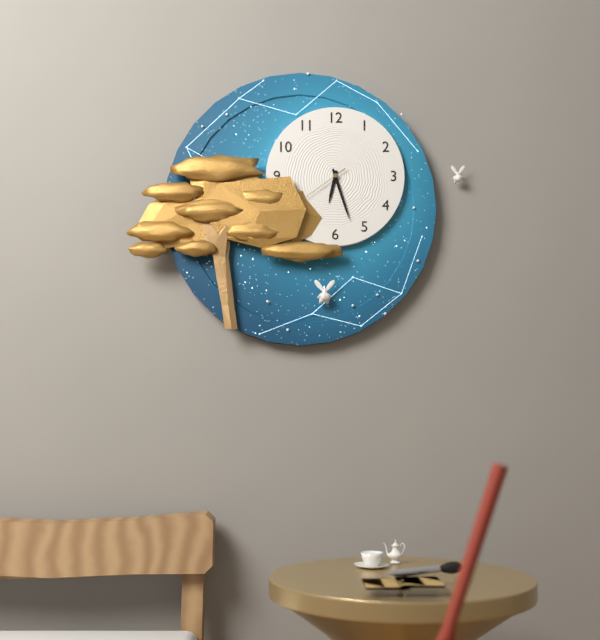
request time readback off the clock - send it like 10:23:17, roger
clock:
6:27:39
